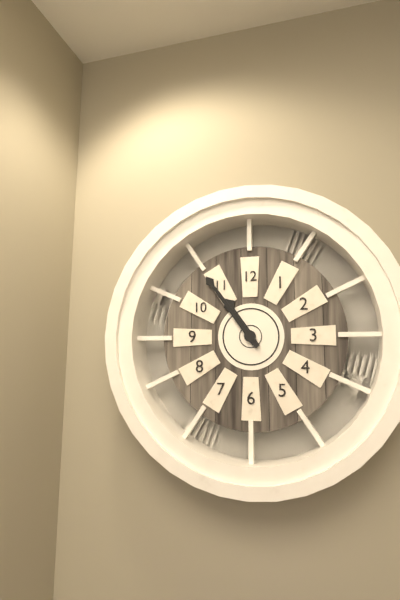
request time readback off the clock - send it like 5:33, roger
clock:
10:54
